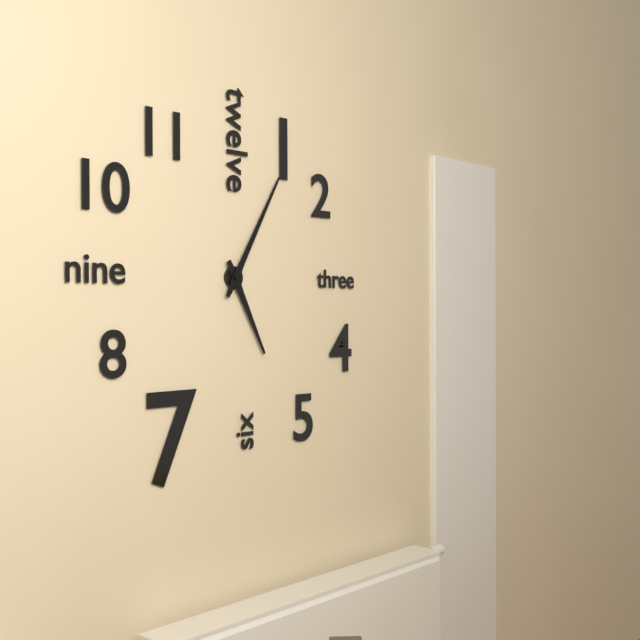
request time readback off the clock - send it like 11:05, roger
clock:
5:05
